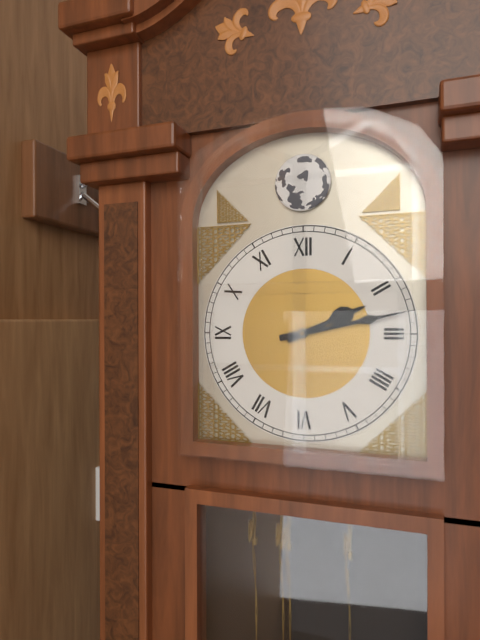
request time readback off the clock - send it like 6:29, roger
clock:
2:13
